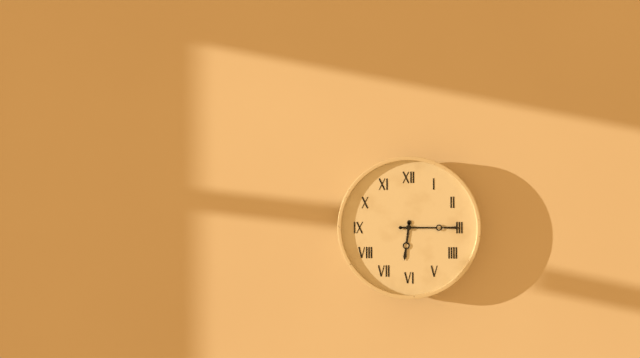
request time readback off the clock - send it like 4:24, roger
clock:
6:15
